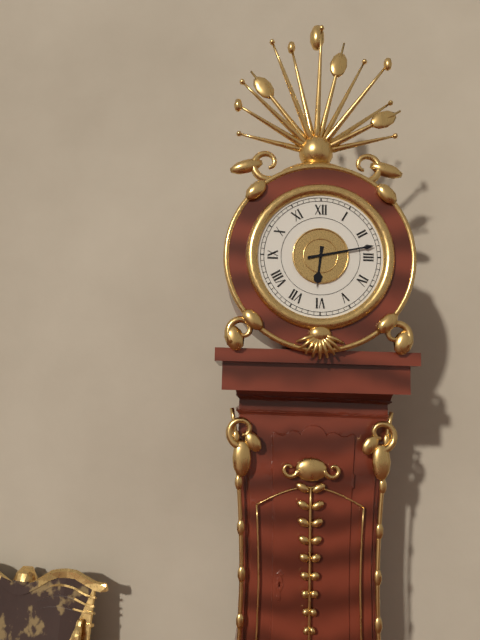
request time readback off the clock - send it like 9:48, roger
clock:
6:13
